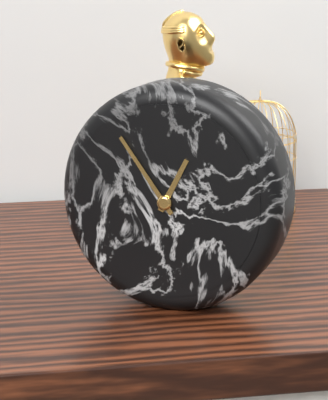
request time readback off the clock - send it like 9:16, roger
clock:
12:54
